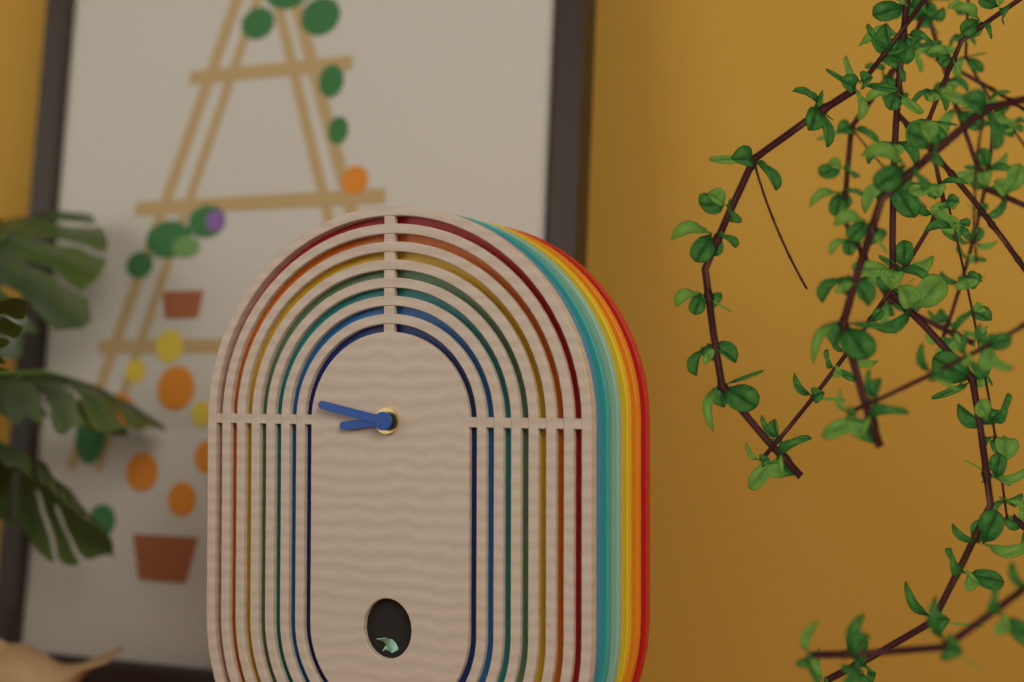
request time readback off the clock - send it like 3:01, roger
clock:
8:47
